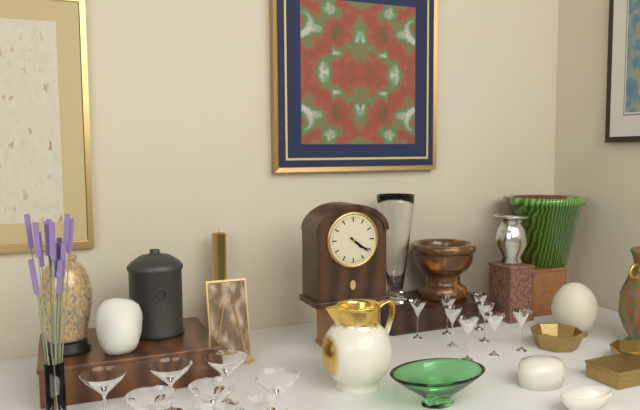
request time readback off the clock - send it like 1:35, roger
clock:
4:21
